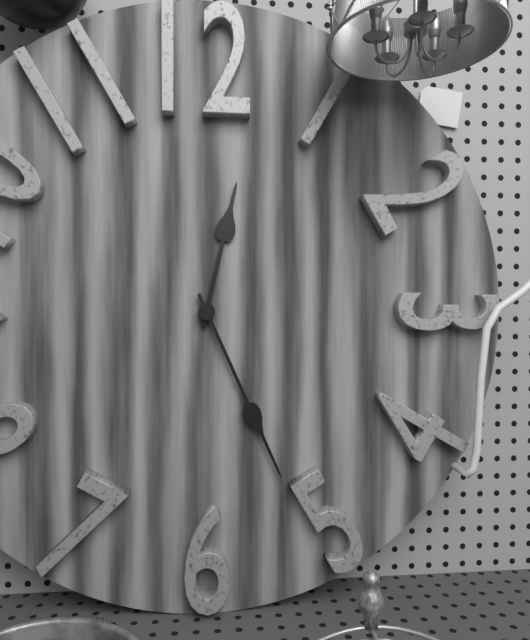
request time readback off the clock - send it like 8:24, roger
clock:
12:26
